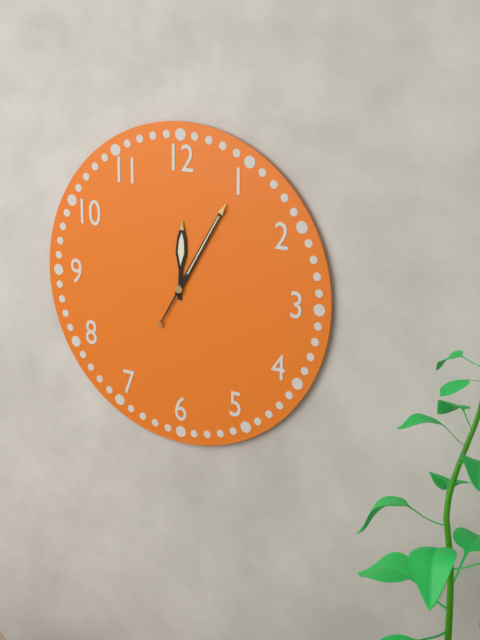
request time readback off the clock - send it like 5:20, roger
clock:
12:05
